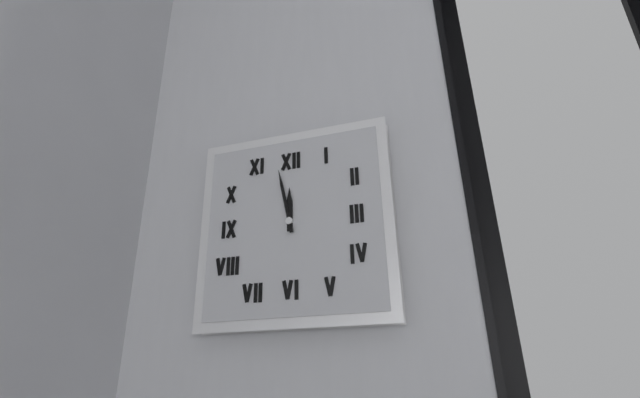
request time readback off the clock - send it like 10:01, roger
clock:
11:58
